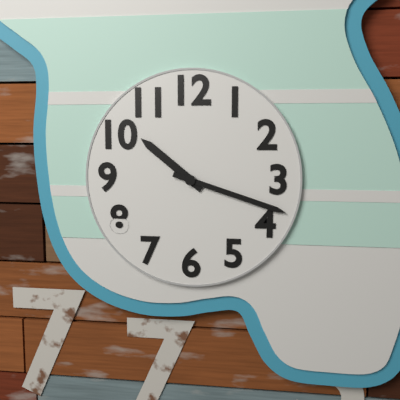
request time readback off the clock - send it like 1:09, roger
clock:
10:18
